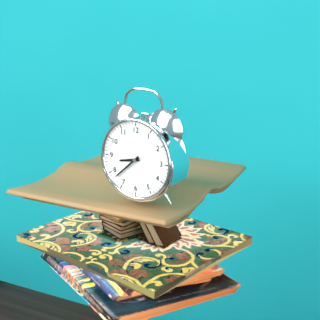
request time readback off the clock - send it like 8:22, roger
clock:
8:38
